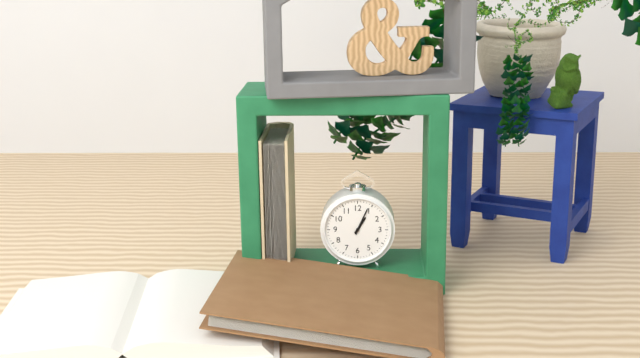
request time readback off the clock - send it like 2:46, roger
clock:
1:04
